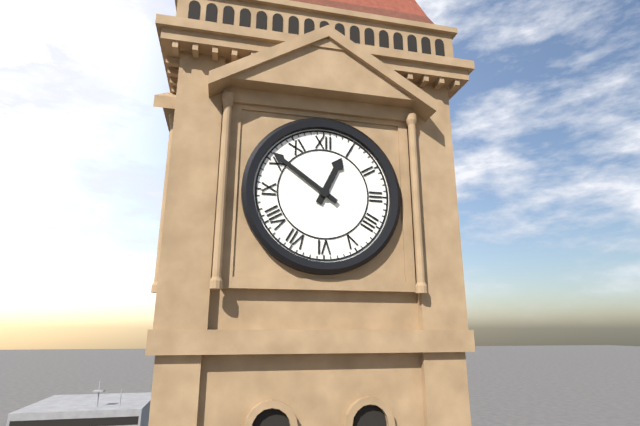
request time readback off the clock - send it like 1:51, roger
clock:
12:51
